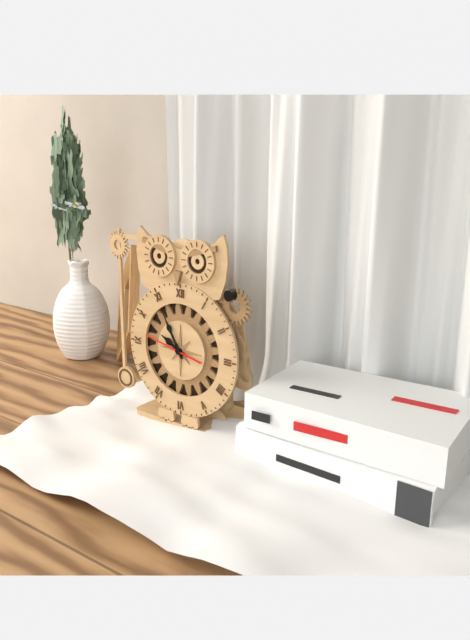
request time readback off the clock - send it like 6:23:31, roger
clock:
9:55:47
